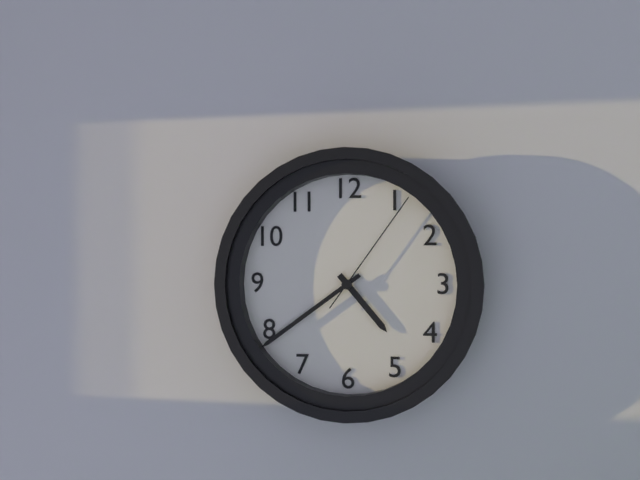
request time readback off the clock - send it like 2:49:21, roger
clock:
4:39:06
